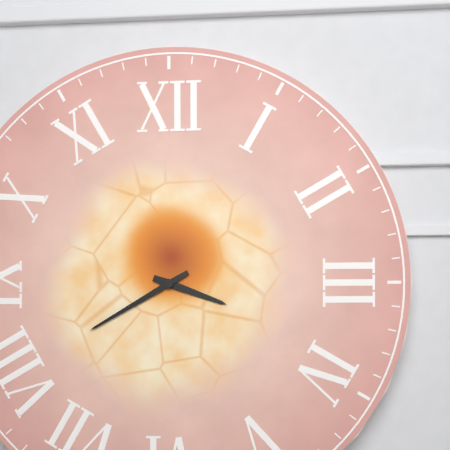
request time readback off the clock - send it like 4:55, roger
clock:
3:40
